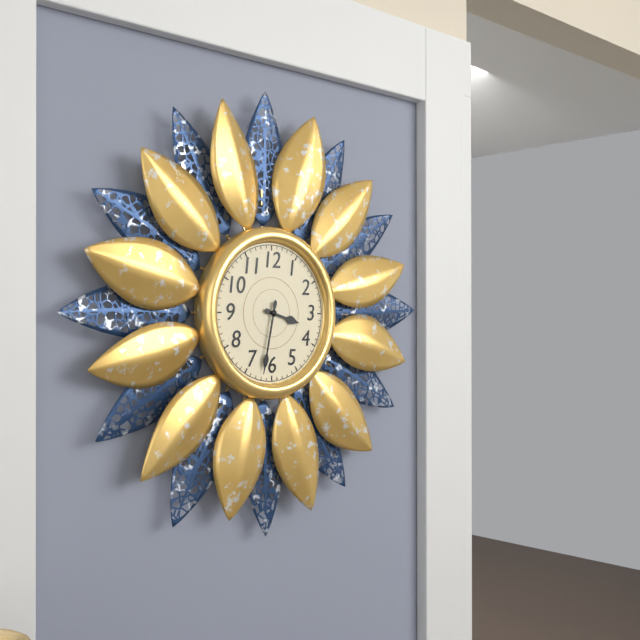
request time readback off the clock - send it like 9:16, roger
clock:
3:32
